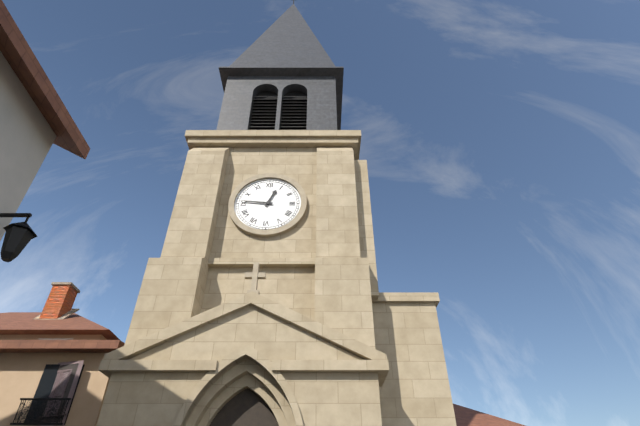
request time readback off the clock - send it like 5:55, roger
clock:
12:46
